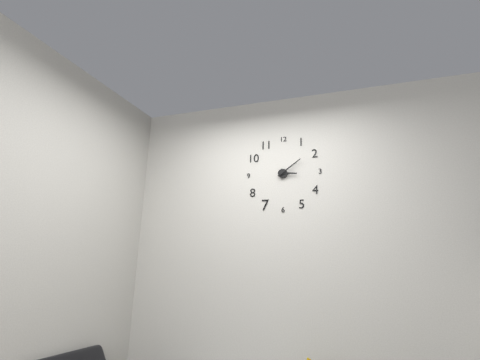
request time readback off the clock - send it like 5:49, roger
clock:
3:09
